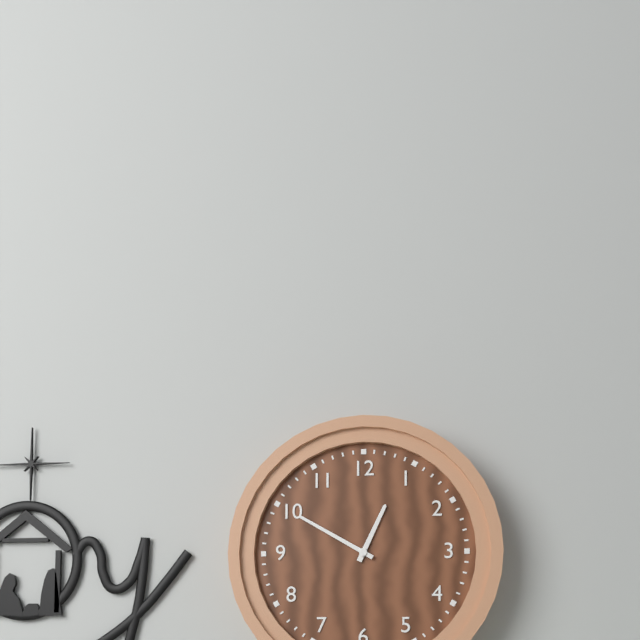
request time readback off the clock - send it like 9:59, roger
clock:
12:50
